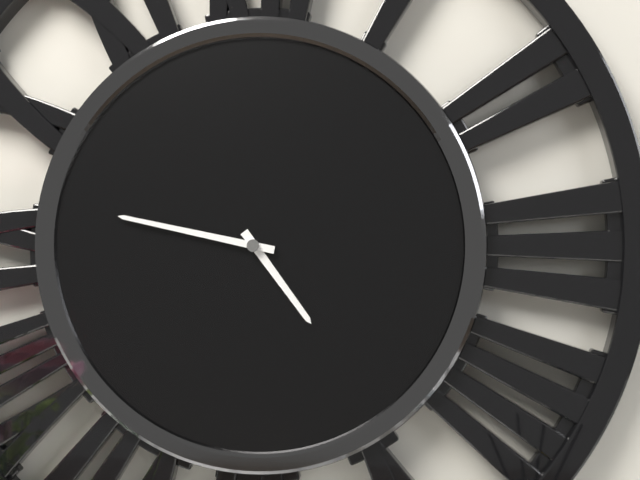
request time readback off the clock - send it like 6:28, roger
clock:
4:47
